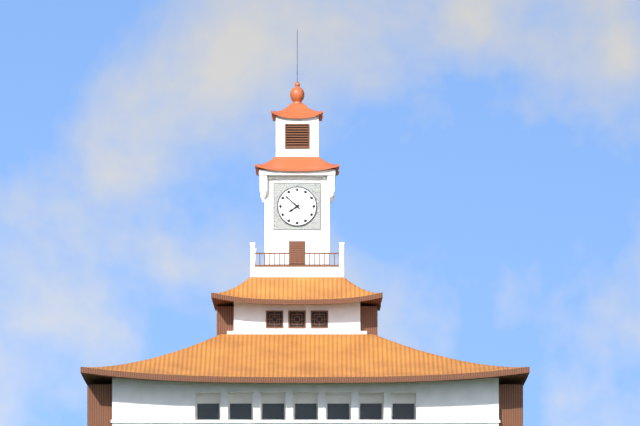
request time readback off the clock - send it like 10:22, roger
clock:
7:52
